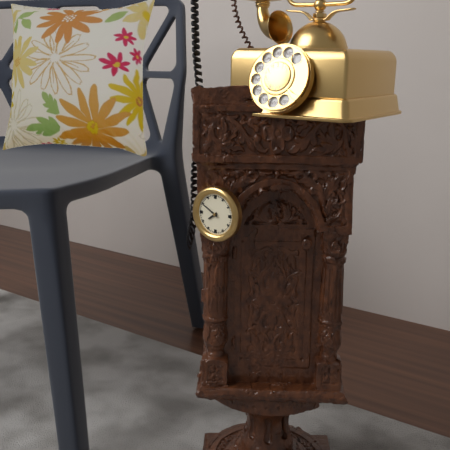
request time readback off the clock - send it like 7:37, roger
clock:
7:50
